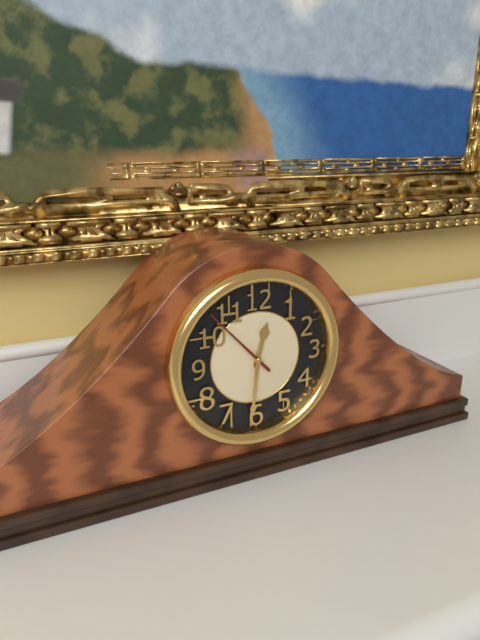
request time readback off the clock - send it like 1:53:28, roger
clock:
12:31:53
